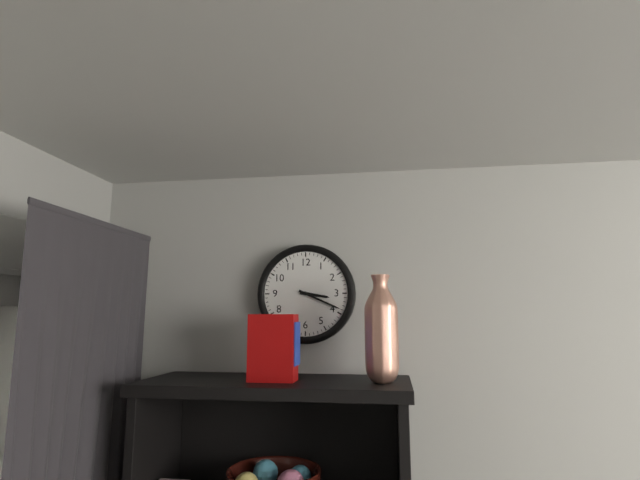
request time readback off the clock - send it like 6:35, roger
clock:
3:19
